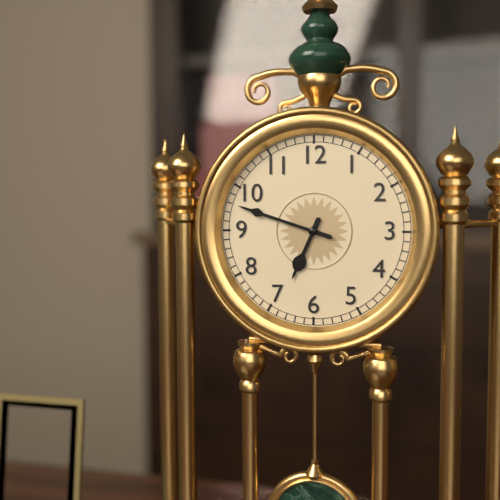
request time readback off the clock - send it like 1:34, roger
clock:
6:48
